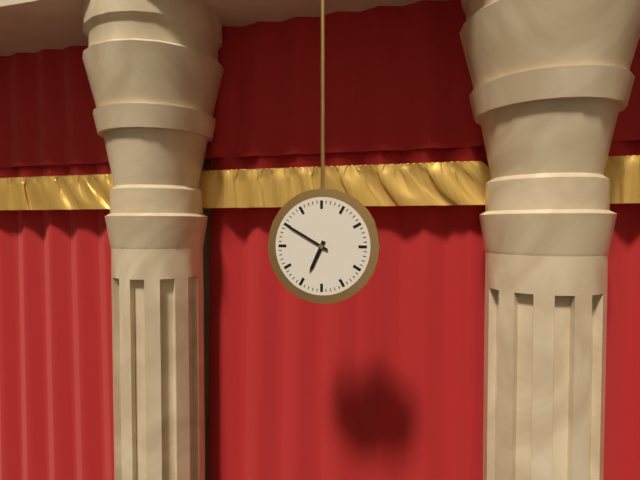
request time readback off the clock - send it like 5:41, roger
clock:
6:50
